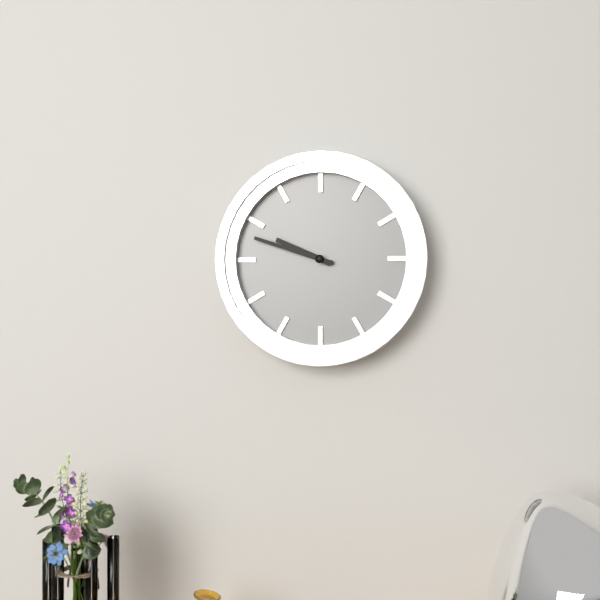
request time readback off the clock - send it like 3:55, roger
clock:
9:48
